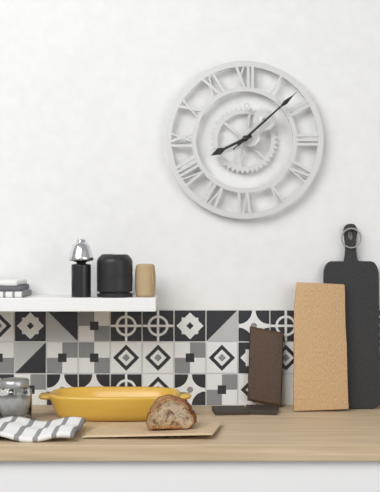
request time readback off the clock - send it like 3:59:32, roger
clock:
8:08:08
